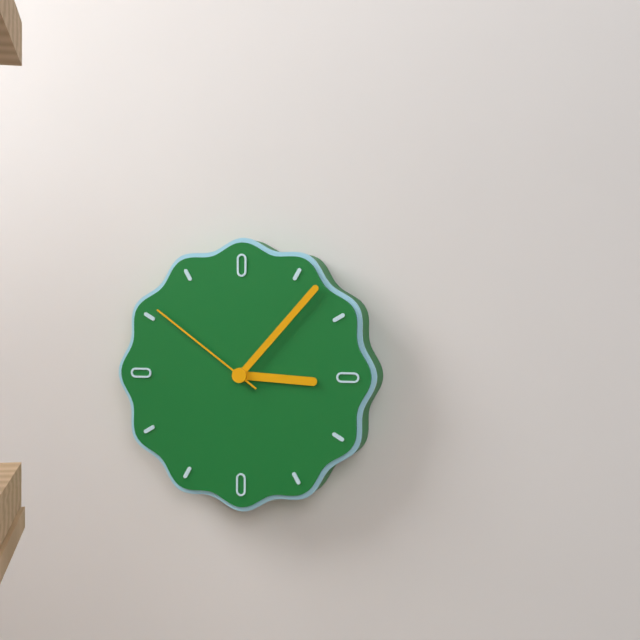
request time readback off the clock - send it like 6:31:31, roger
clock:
3:07:51
